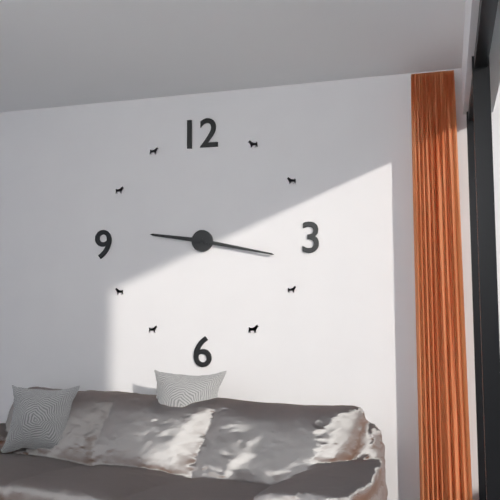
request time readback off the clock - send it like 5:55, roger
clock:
9:17
